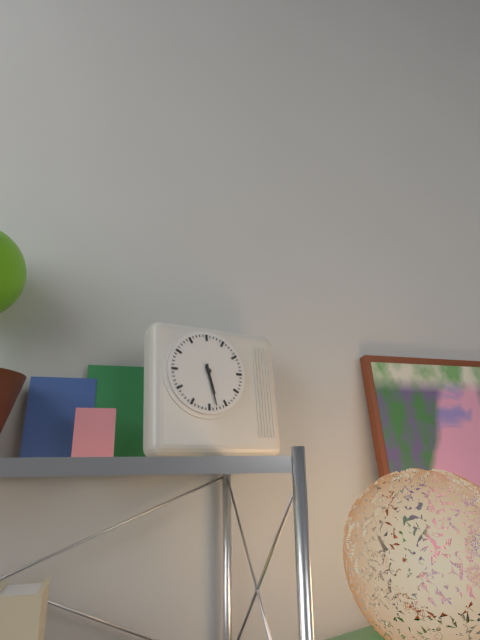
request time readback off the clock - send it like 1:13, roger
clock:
5:28
